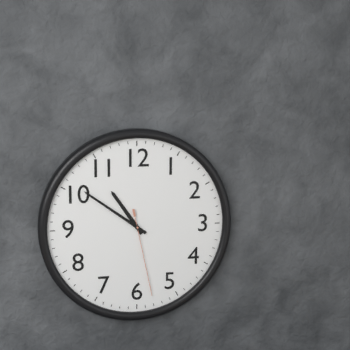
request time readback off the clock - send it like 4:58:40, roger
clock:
10:51:28
